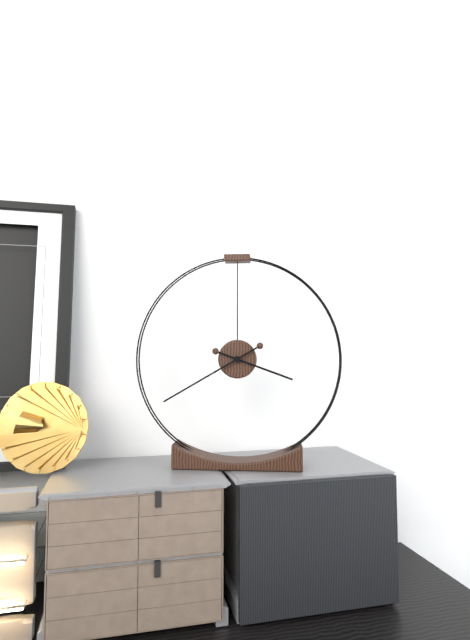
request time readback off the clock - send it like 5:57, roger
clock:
3:40
